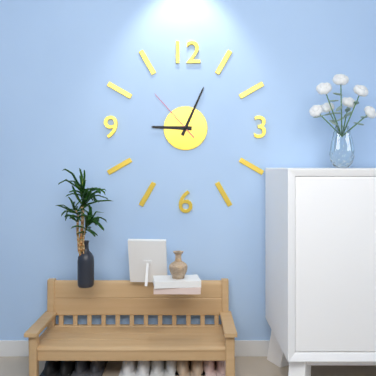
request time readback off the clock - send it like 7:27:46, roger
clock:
9:04:53
